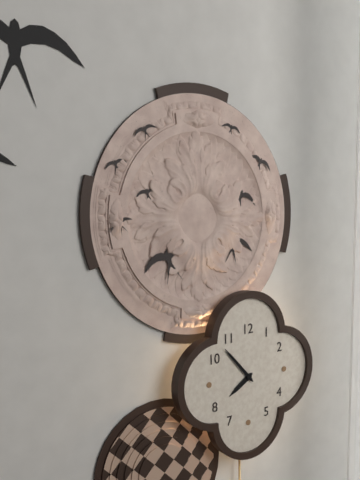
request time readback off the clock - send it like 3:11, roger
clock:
7:53
